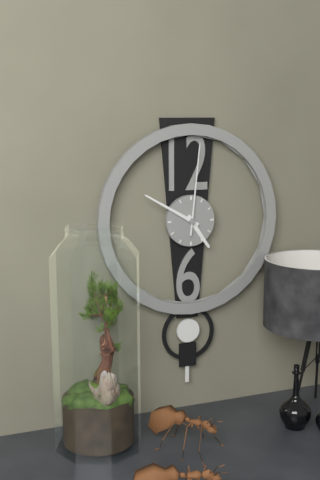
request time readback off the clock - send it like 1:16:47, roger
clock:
4:50:01
